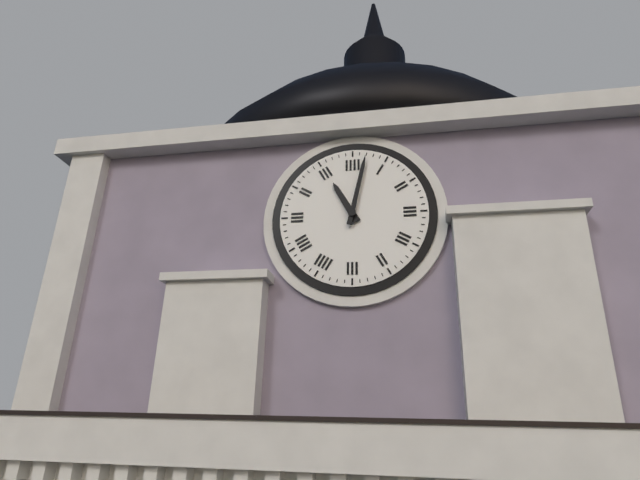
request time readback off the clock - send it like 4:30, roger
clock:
11:02
